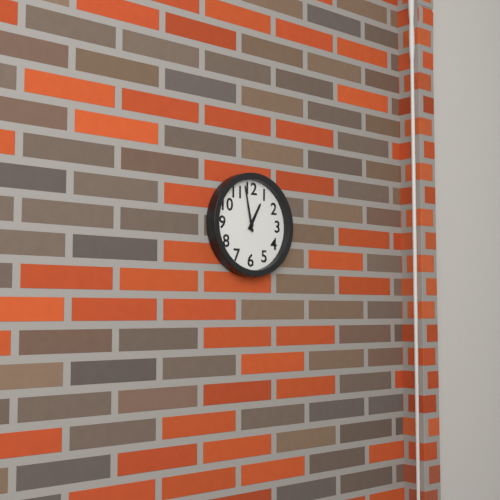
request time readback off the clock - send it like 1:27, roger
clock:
12:58
